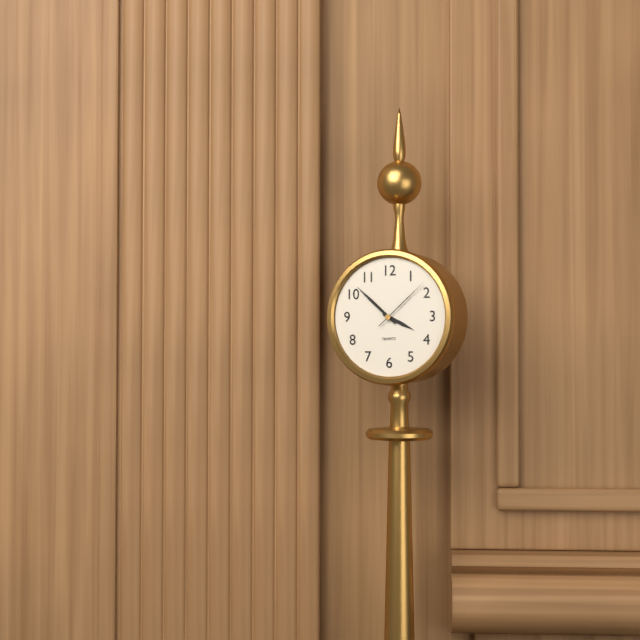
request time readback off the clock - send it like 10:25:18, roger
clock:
3:52:08
